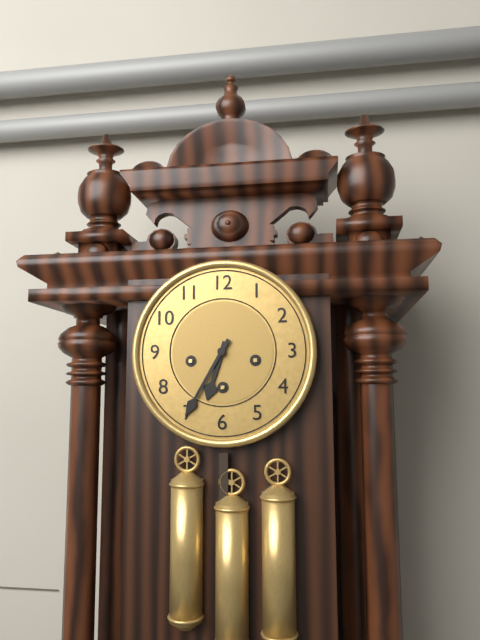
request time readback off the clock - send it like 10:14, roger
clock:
6:35
